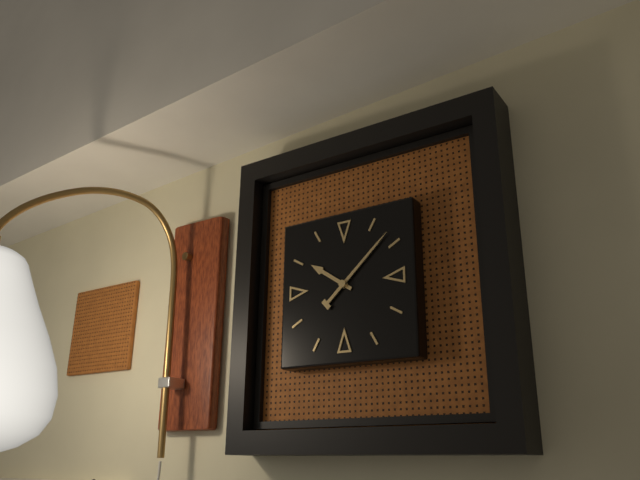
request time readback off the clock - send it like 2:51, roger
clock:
10:08
